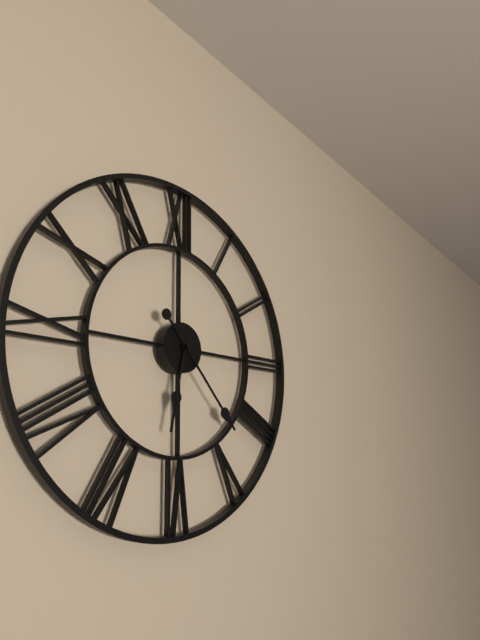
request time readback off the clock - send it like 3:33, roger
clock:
6:23
